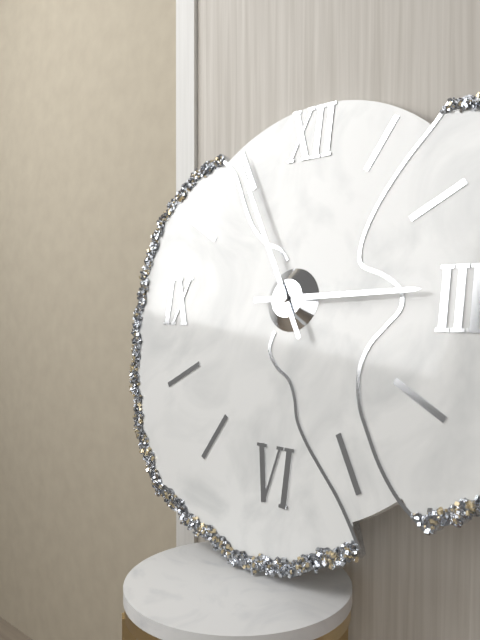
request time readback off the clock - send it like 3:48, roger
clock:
2:55
